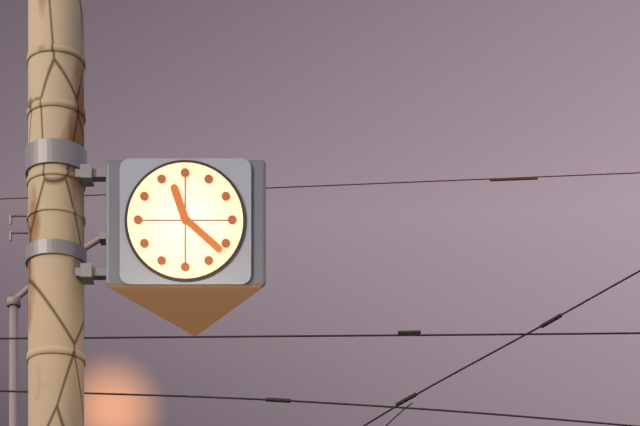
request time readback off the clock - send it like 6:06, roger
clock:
11:22
